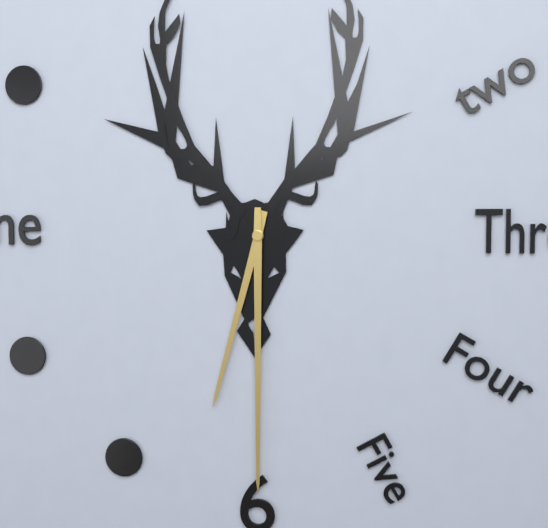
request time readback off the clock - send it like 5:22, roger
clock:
6:30
